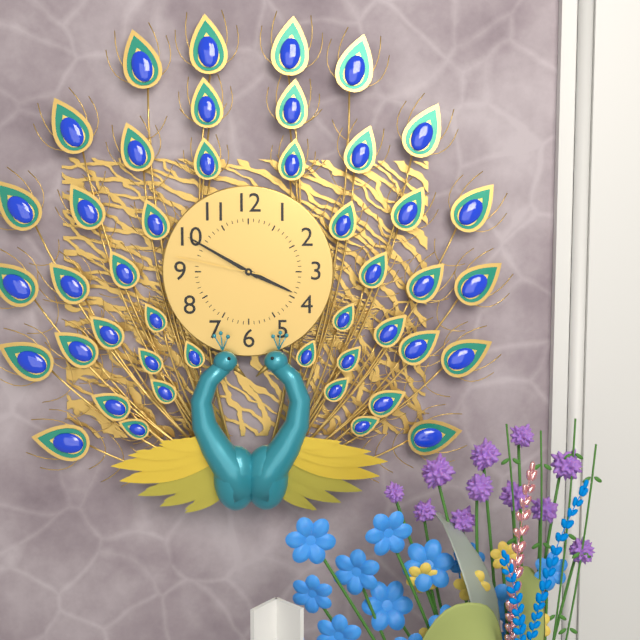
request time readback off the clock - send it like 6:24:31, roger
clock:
3:50:47
